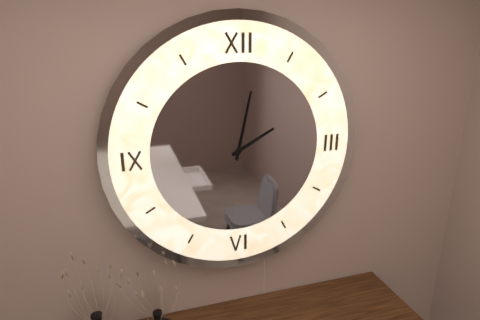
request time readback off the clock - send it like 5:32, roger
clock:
2:02
